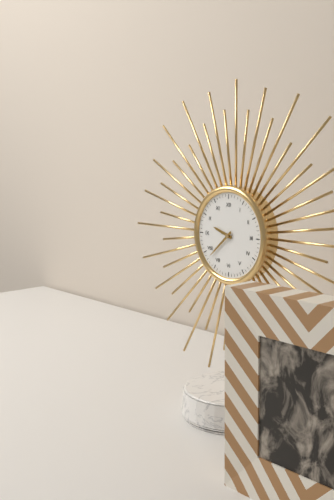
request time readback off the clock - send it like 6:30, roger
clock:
9:38
